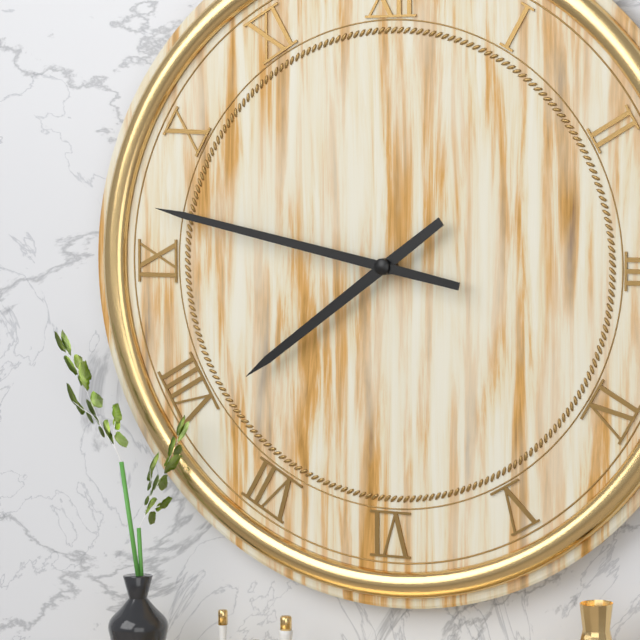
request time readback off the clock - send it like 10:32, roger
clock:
7:47
